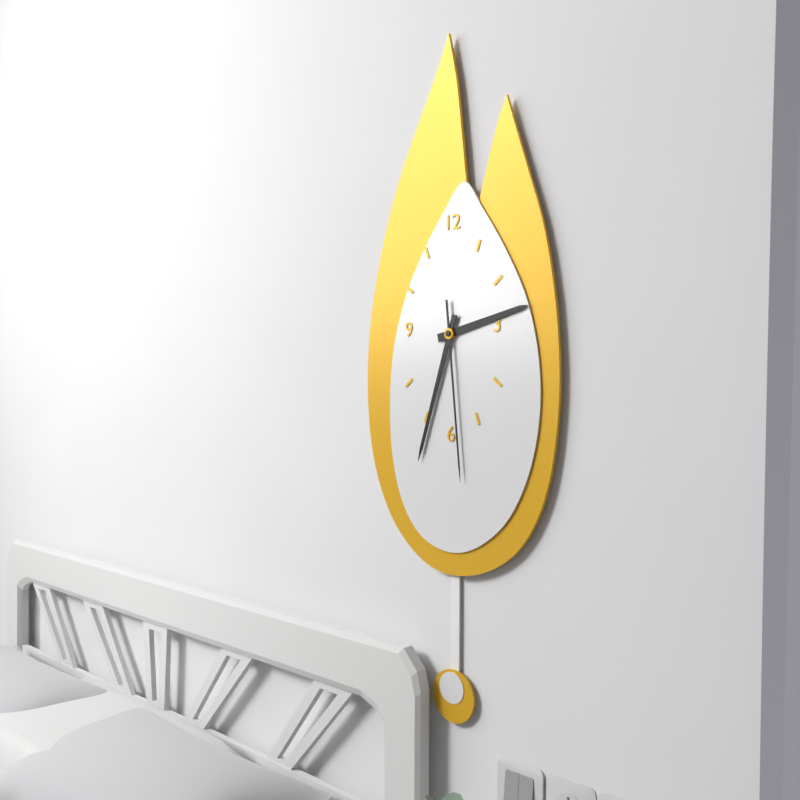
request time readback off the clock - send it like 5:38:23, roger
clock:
2:33:29
